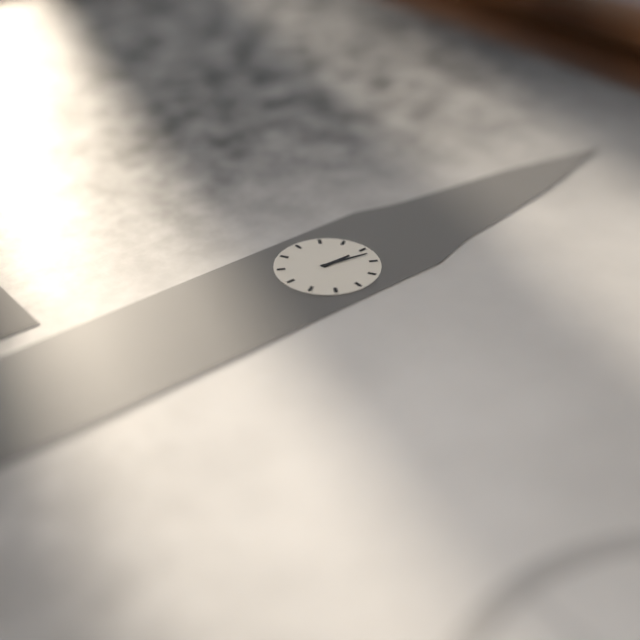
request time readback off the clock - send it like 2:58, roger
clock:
12:02
